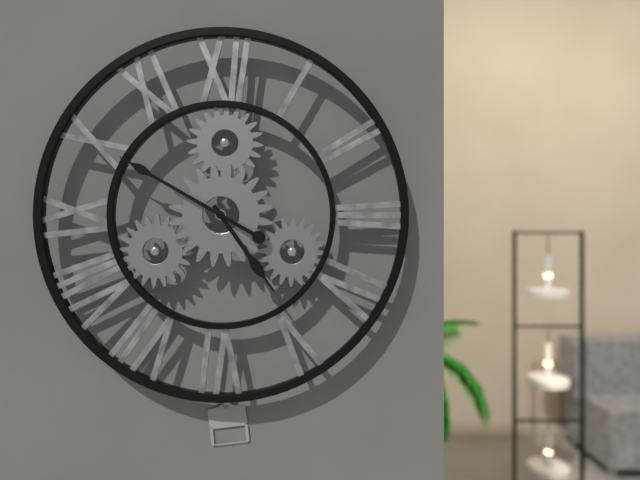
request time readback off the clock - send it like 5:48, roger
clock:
4:50
